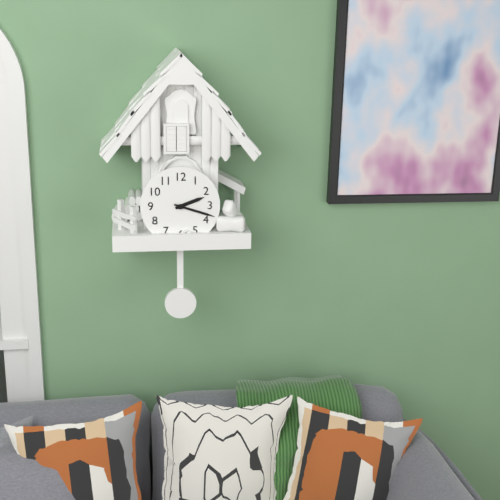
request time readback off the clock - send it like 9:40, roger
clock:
2:18
